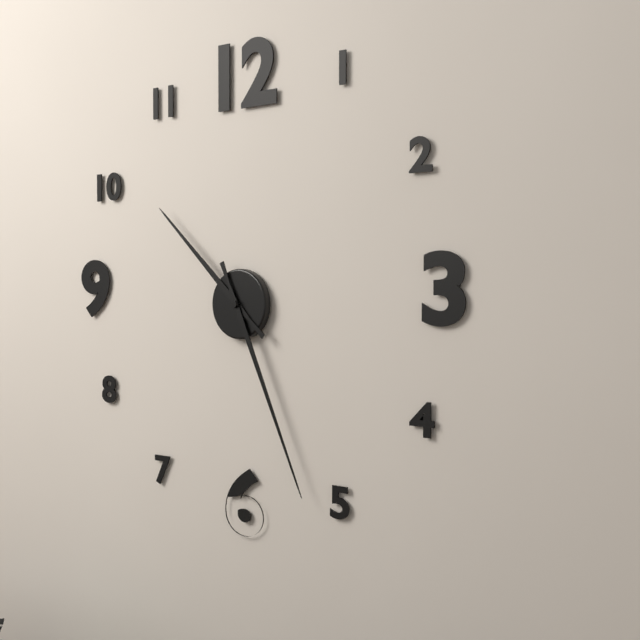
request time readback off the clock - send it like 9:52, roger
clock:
10:26
